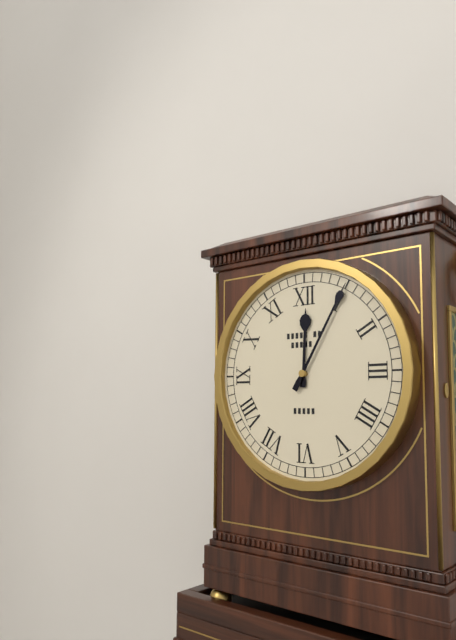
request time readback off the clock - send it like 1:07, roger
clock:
12:05
